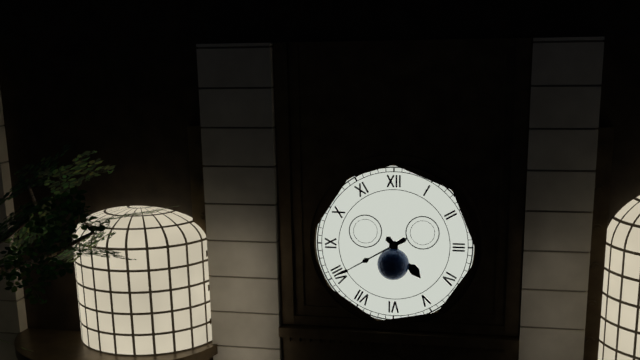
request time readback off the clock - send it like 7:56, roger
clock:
4:40
